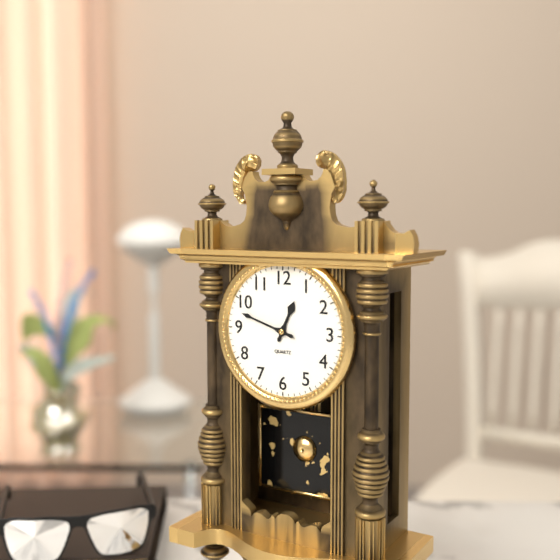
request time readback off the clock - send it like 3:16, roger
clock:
12:48
